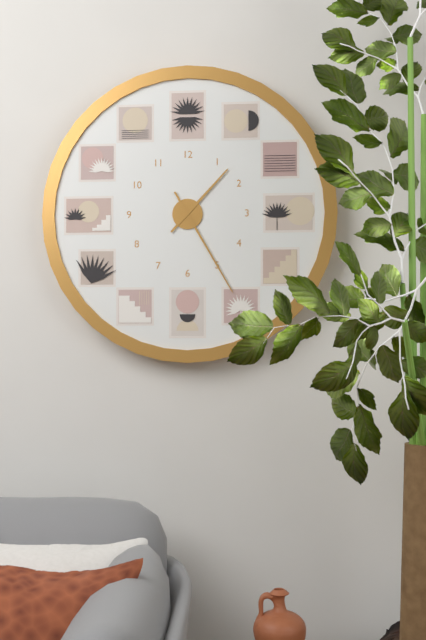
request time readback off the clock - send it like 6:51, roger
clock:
1:25
